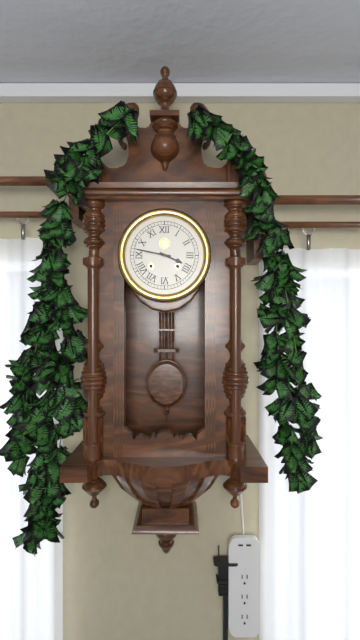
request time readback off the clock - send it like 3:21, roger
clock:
3:47
